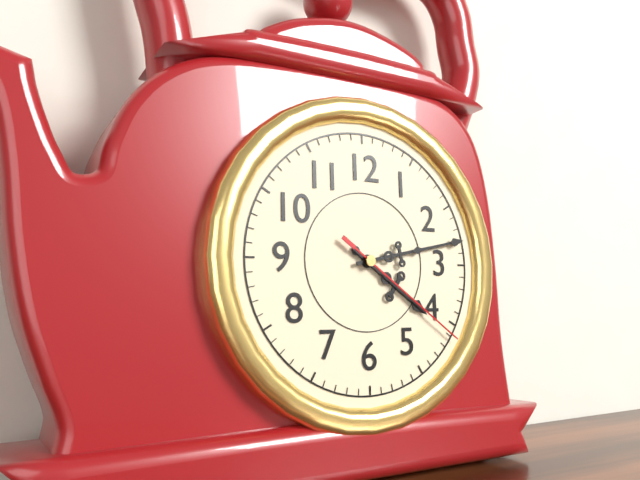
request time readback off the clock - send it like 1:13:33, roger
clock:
4:13:21
